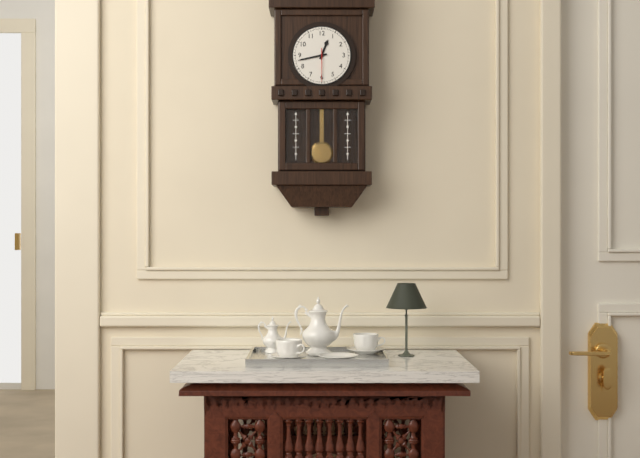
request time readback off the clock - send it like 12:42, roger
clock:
12:43
